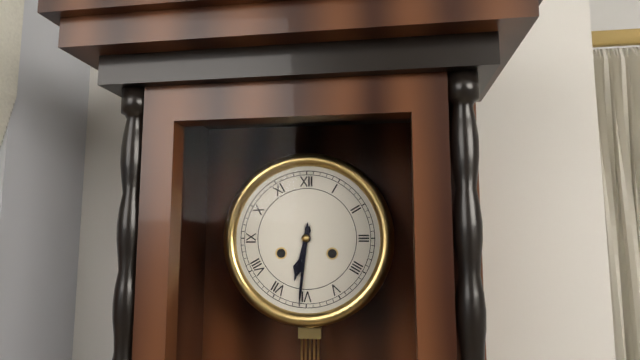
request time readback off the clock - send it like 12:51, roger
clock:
6:31
